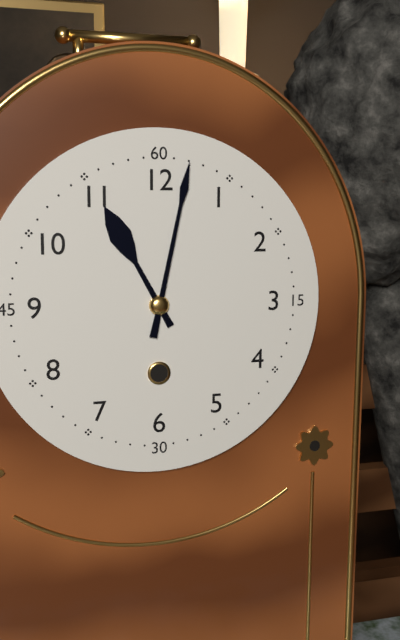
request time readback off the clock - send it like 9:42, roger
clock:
11:02
